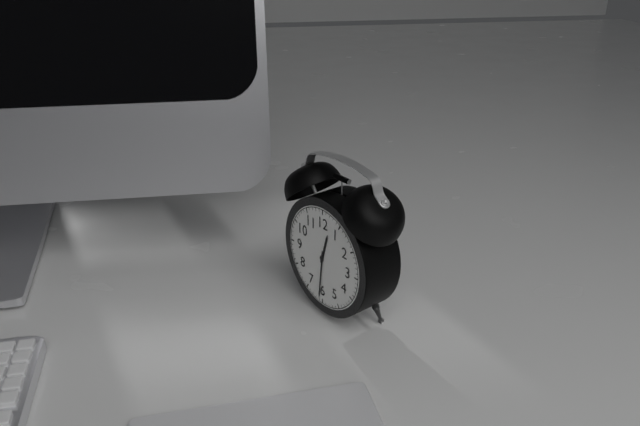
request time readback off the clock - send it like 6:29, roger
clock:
12:31
